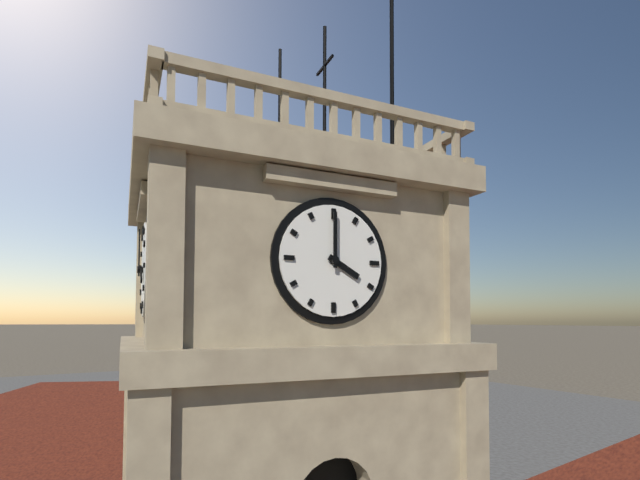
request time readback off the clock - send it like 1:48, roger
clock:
4:00
